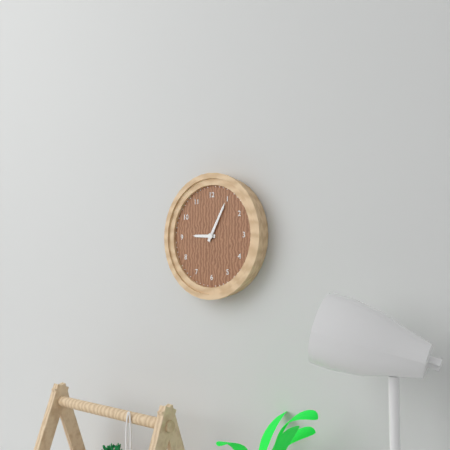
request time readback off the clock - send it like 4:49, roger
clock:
9:05
